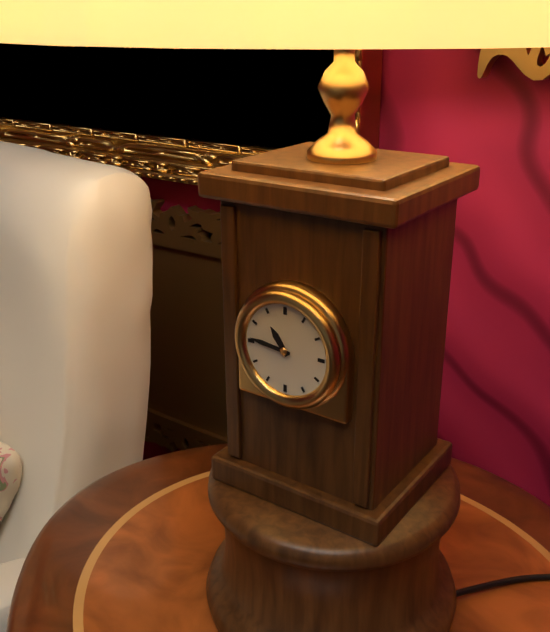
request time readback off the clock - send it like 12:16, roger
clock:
10:46
